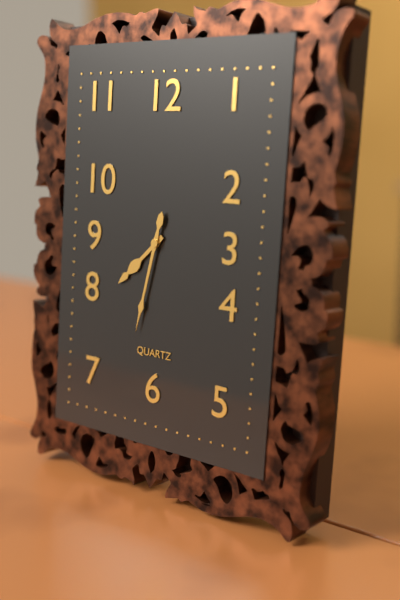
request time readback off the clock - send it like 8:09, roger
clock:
7:32
